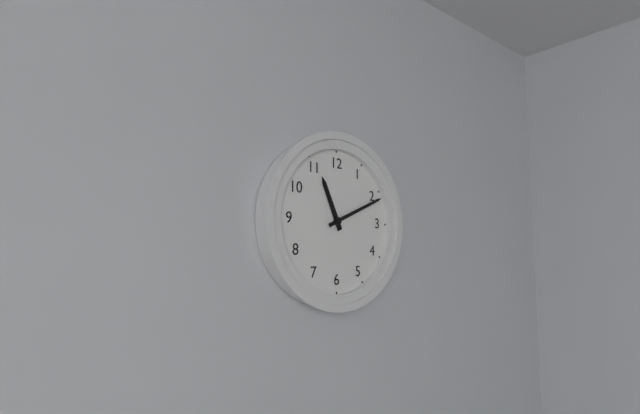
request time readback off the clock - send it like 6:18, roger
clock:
11:11
